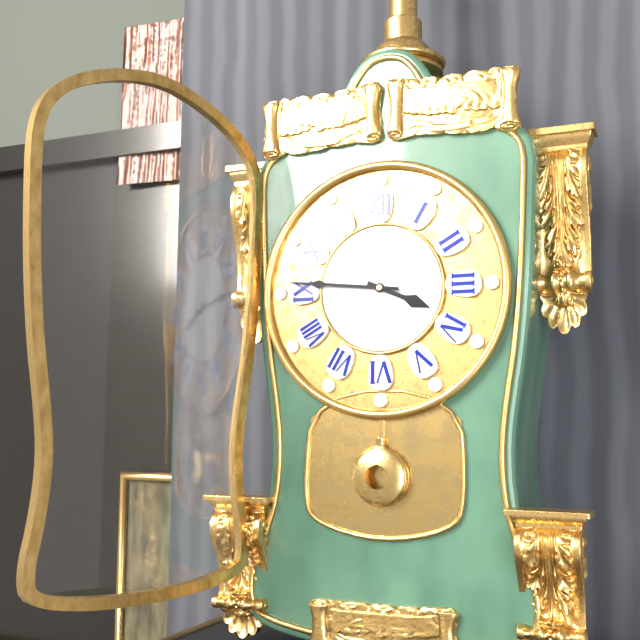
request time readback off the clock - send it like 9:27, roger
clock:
3:46
